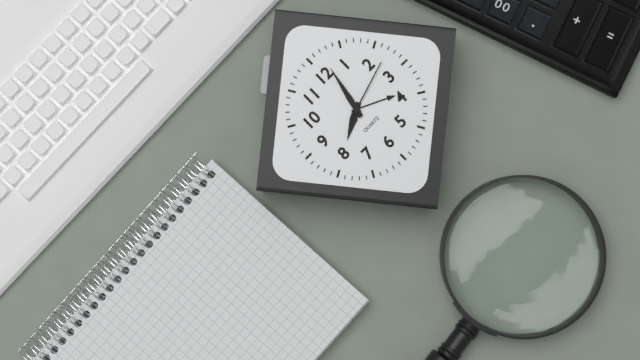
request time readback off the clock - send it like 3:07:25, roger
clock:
8:02:12
